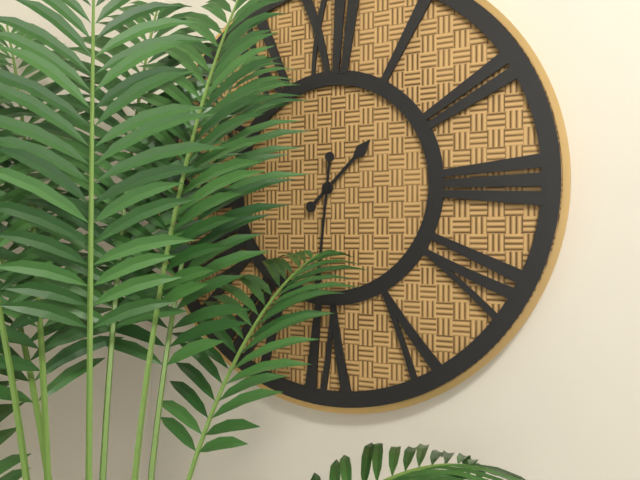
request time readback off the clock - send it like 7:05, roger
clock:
1:31
